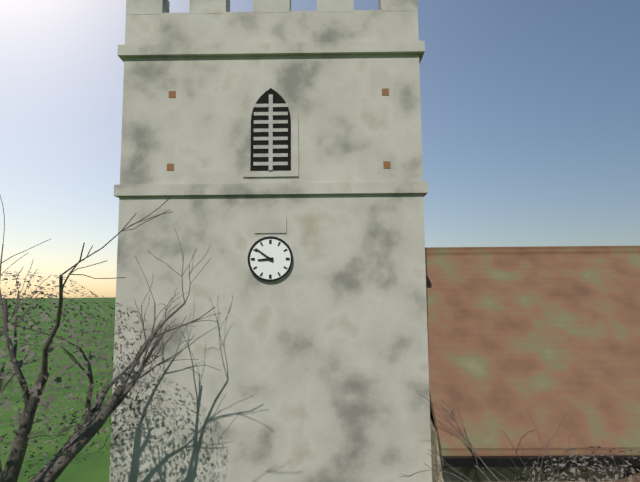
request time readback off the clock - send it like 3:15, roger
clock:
8:51
